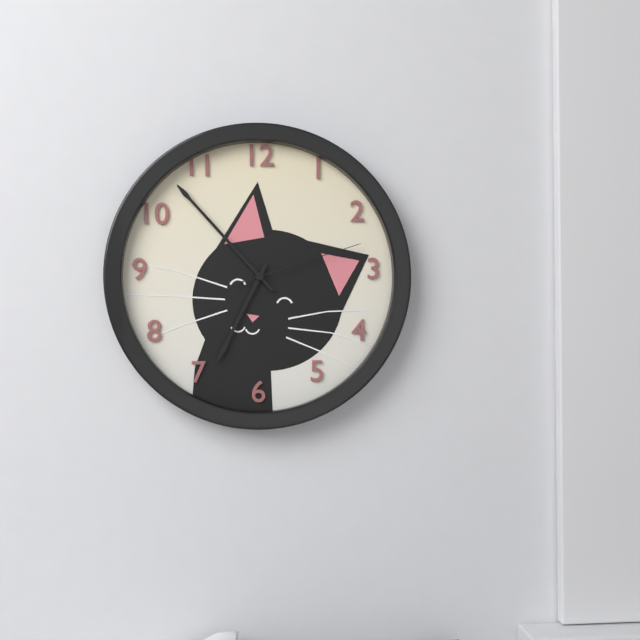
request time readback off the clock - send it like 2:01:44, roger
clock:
6:53:12
